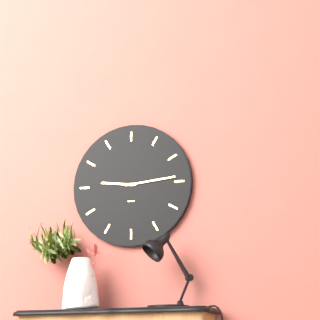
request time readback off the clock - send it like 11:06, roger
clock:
9:14
